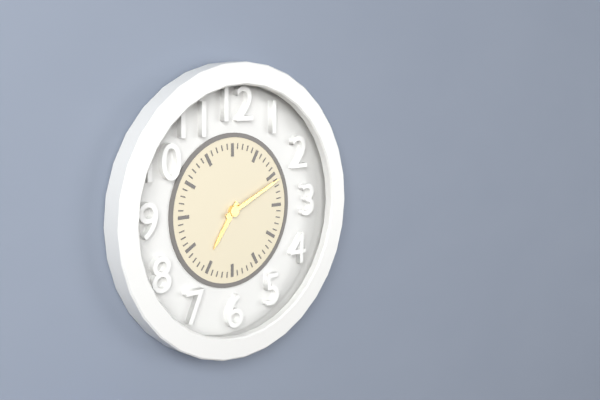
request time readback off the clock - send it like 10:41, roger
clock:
7:11
